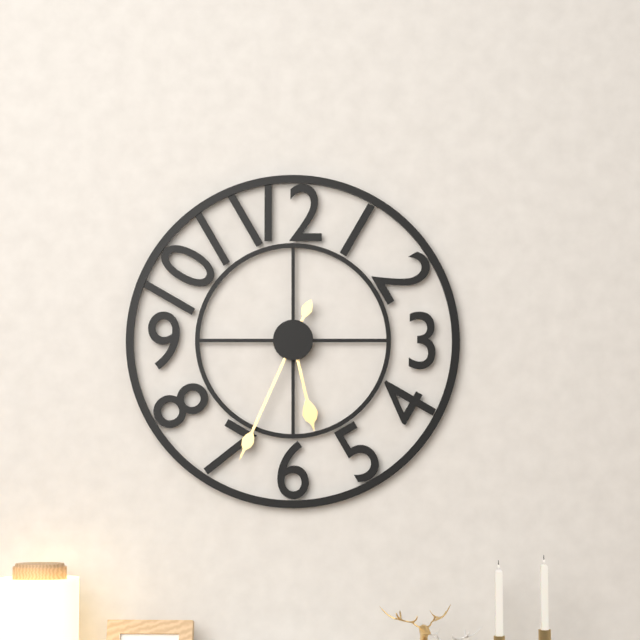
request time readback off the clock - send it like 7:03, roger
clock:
5:34
